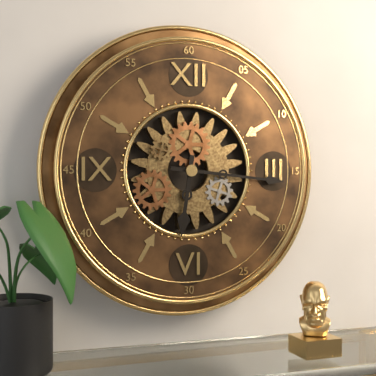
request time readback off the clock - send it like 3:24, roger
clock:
6:16
